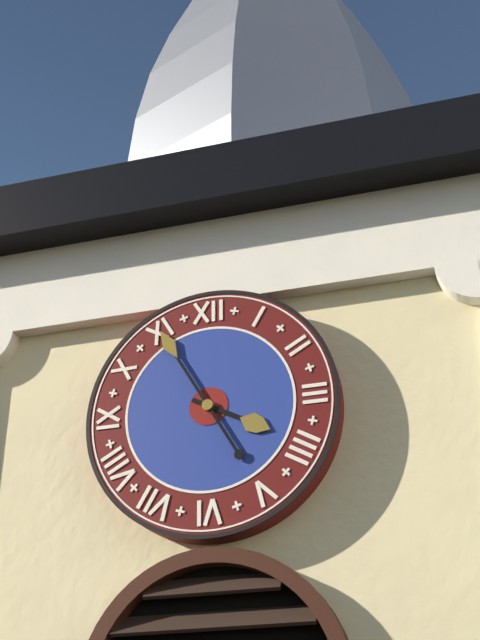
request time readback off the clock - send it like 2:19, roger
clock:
3:55
